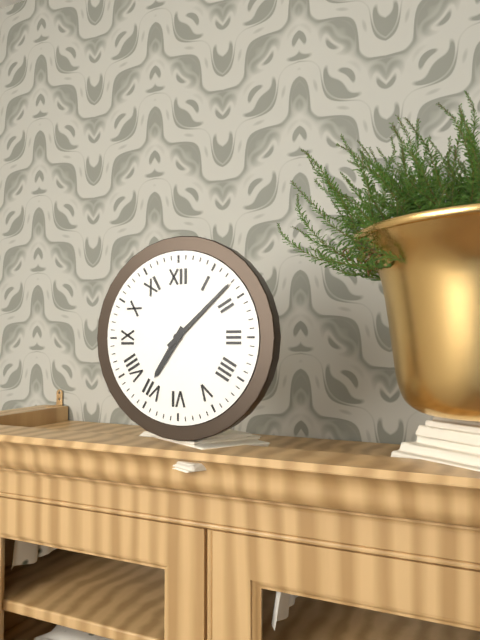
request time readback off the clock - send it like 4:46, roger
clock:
7:08
